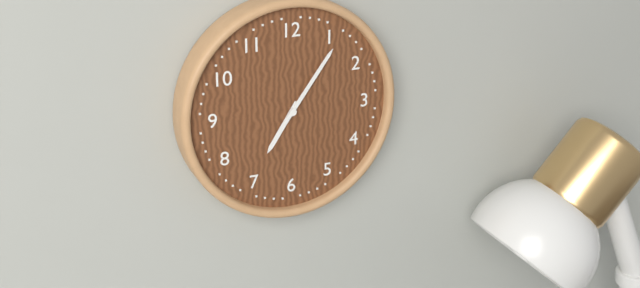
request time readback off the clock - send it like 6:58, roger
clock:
7:06
